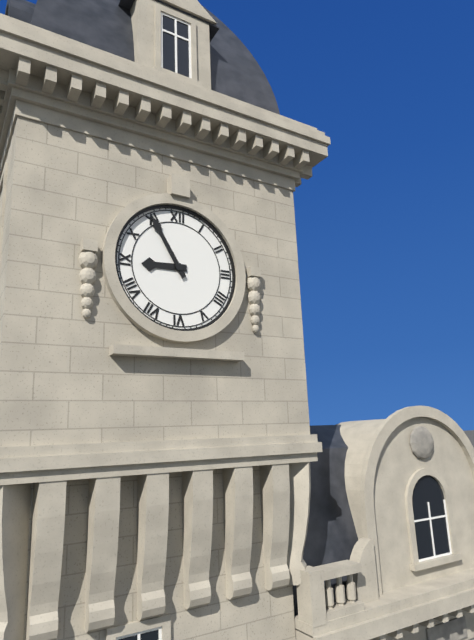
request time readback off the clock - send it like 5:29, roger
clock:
8:55
